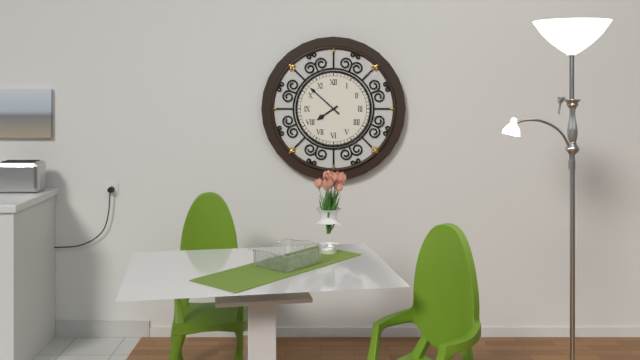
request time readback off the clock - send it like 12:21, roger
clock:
7:52
